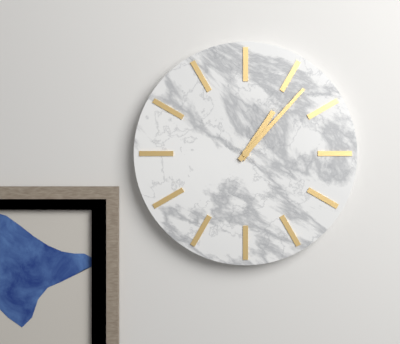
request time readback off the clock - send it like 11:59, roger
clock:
1:07
